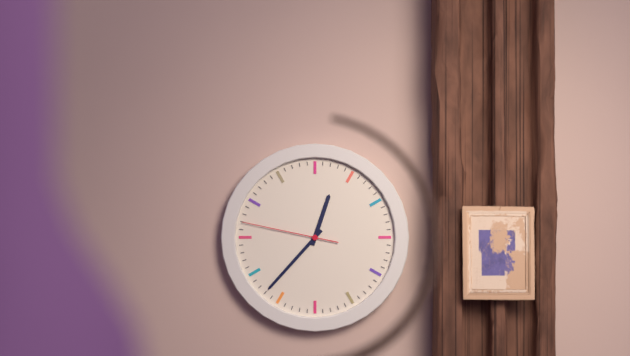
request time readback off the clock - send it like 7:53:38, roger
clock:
12:37:47
